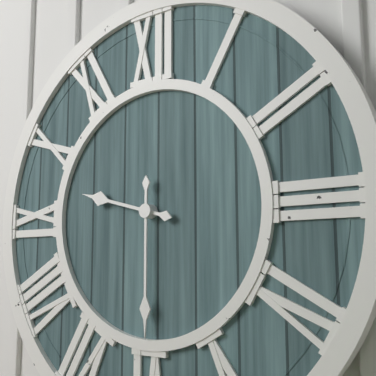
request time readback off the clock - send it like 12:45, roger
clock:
9:30
